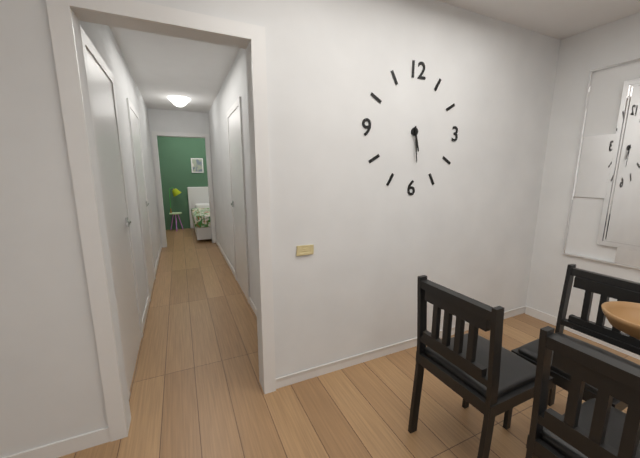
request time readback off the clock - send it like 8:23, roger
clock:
5:29
